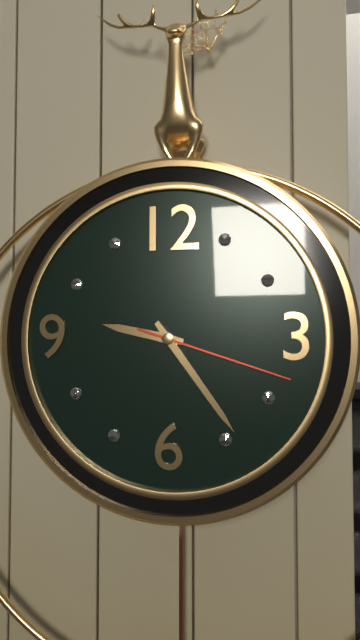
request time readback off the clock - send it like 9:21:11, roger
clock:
9:24:18
